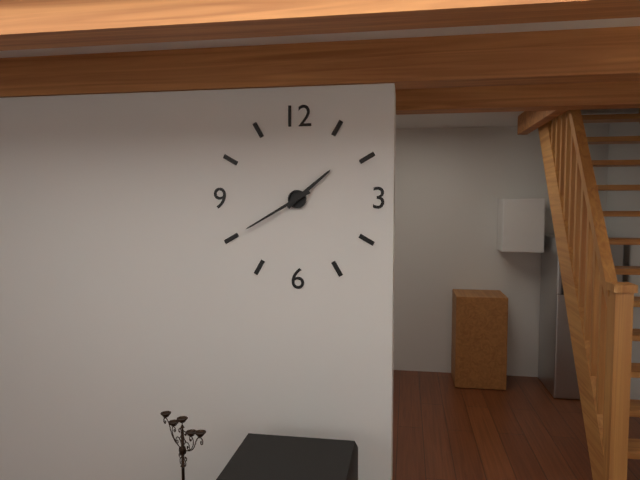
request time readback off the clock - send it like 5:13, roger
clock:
1:40
